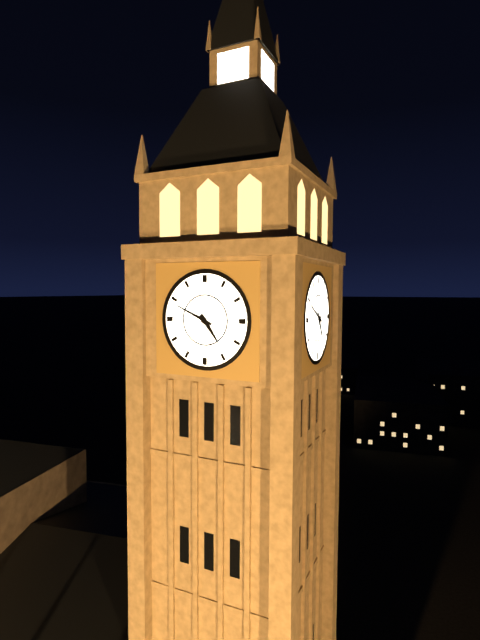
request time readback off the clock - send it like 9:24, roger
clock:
4:49
